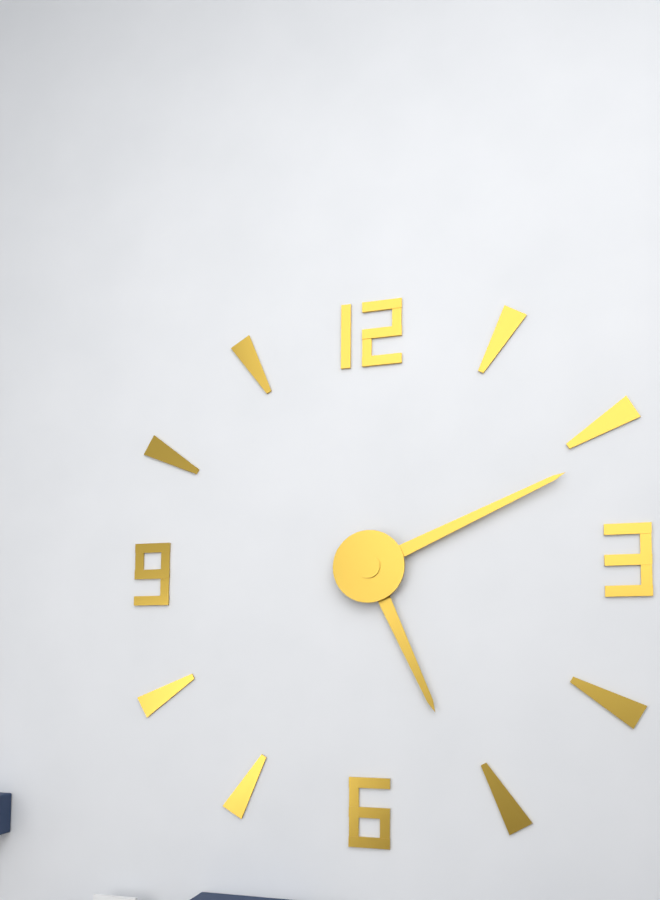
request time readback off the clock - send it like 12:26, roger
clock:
5:11
